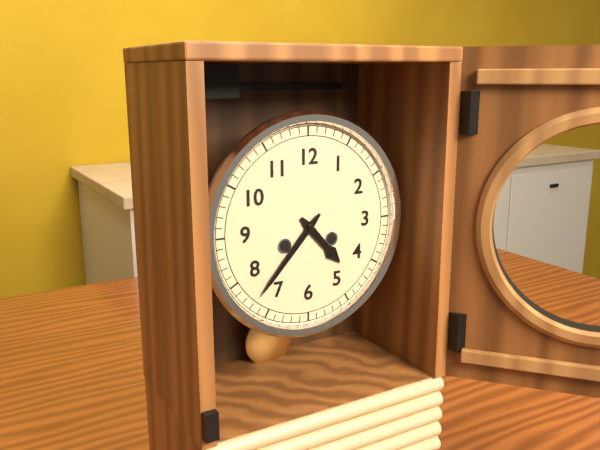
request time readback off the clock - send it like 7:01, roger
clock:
4:37
